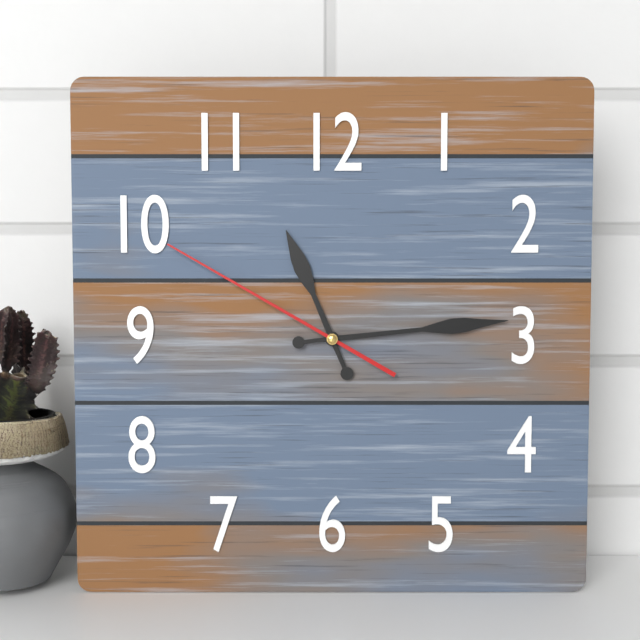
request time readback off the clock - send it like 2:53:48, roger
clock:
11:14:50
